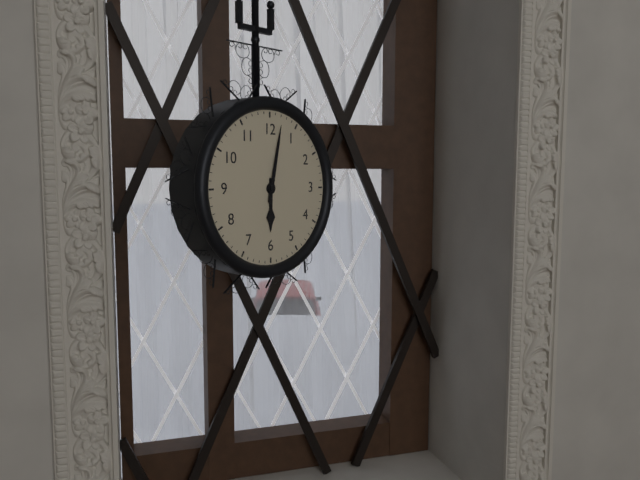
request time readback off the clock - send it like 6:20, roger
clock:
6:02
